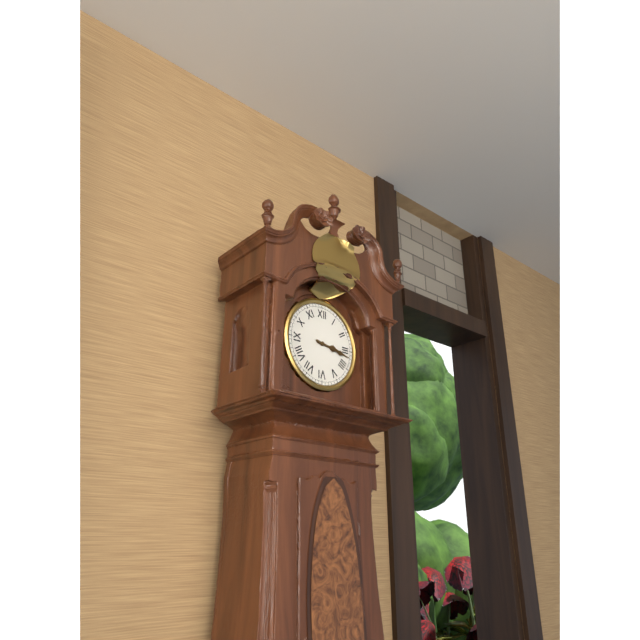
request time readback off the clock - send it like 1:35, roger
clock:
3:17
